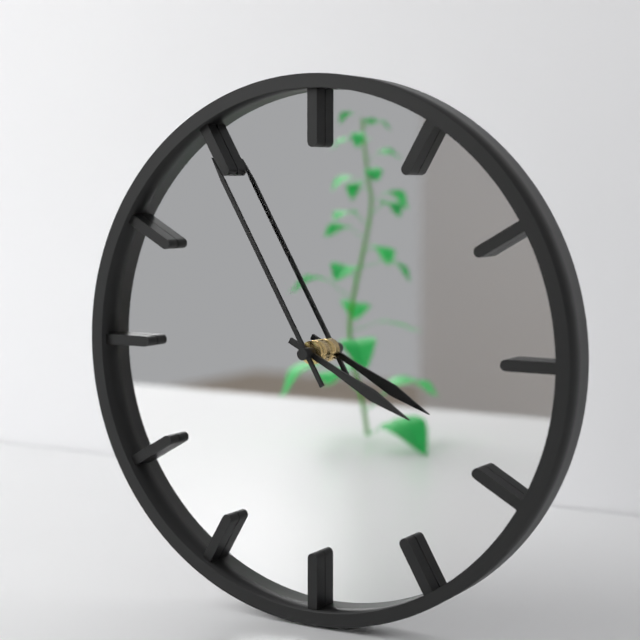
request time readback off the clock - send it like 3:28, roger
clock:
3:55
